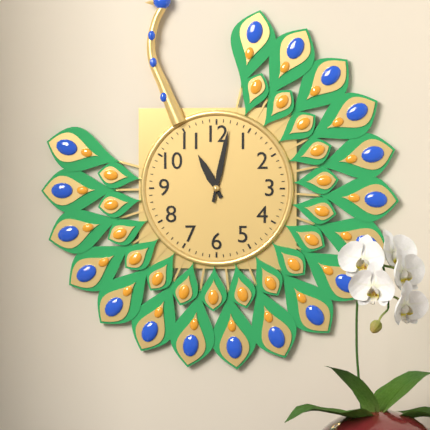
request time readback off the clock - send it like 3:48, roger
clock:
11:02
